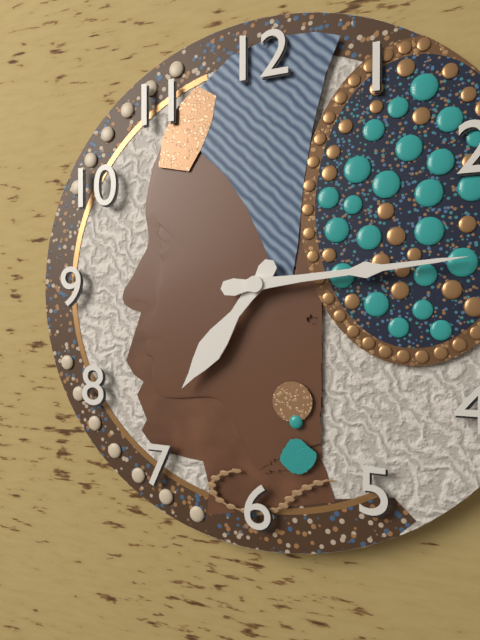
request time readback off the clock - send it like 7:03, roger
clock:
7:14
